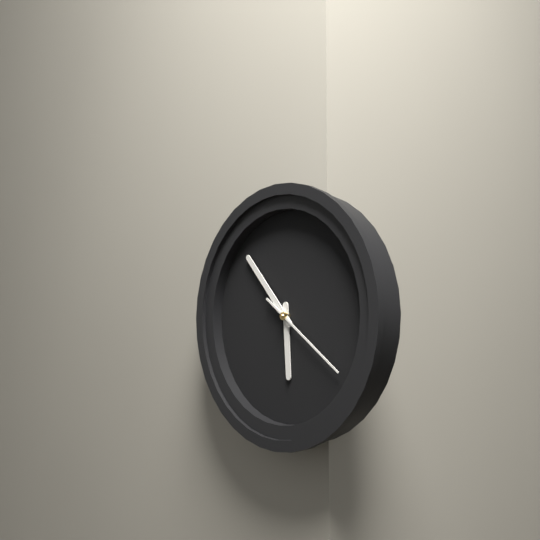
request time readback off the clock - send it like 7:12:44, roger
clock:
5:53:21
